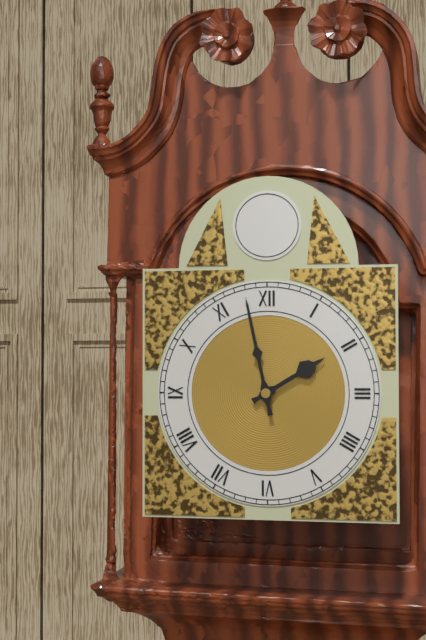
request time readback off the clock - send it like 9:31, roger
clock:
1:58
